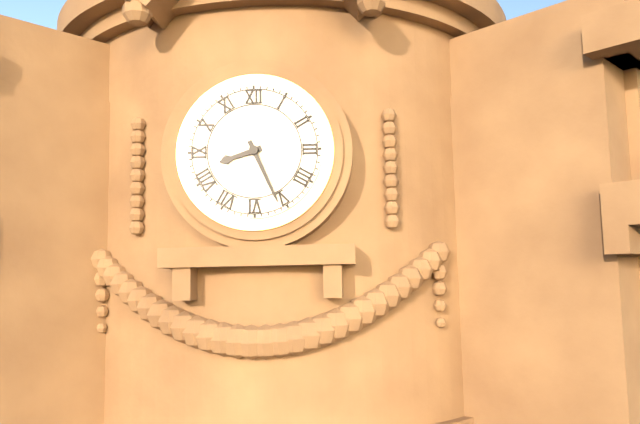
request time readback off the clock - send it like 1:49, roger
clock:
8:26
